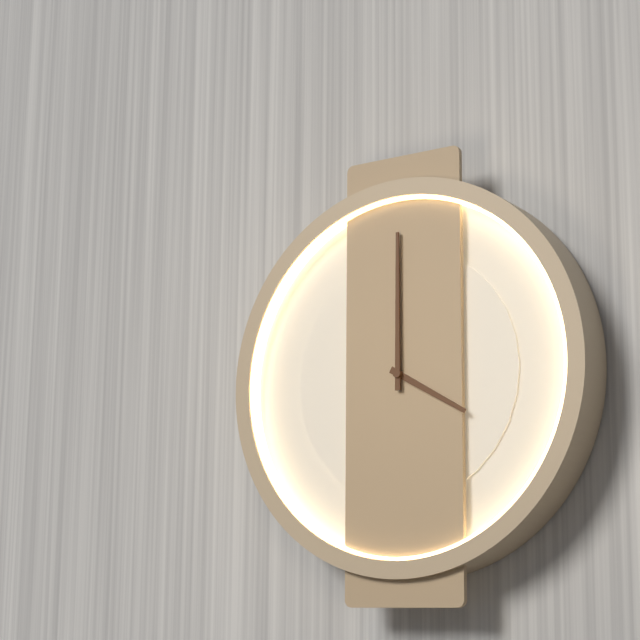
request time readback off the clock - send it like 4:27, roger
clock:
4:00
